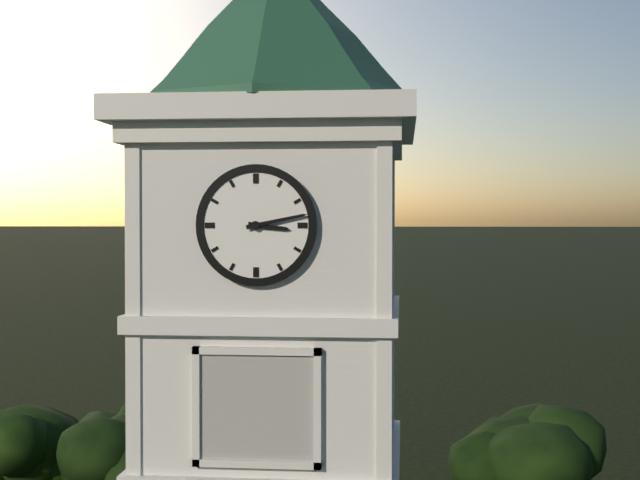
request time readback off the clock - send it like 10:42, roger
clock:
3:13
